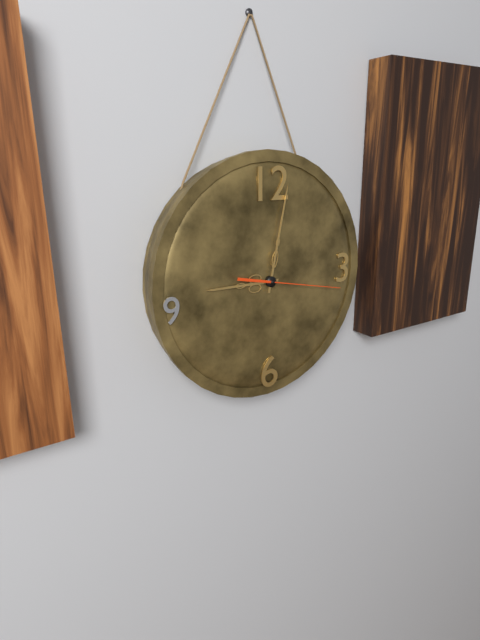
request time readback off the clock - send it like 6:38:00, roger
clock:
9:02:17
